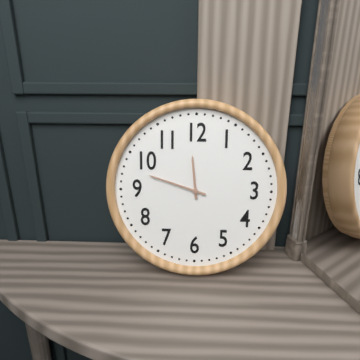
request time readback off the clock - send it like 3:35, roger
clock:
11:48
